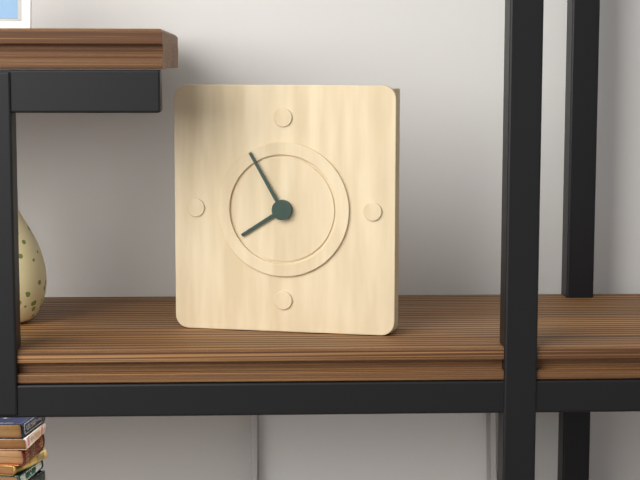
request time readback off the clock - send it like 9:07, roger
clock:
7:55
